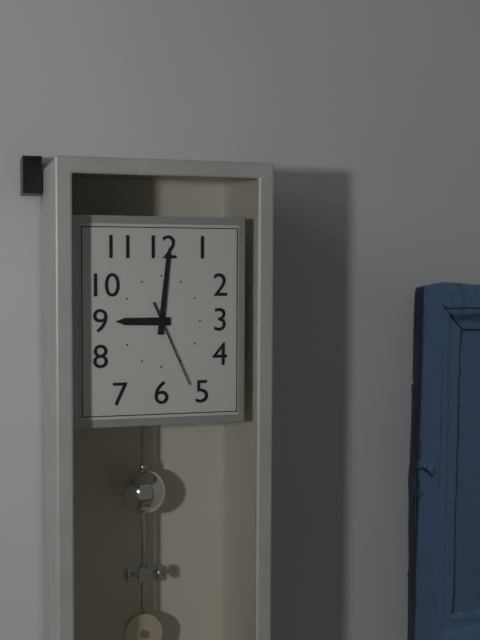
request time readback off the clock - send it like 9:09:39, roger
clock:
9:01:26
